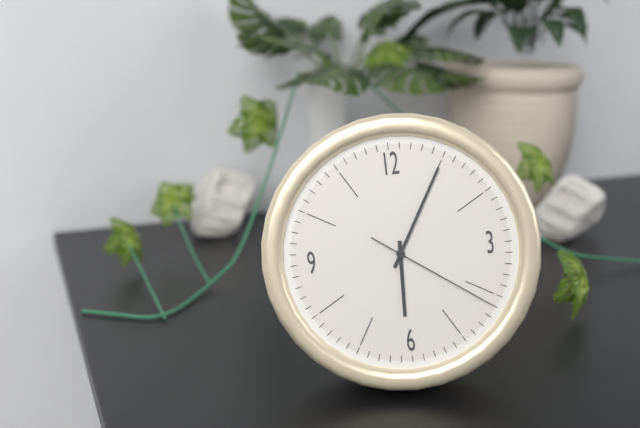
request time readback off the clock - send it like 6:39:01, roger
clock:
6:05:21
